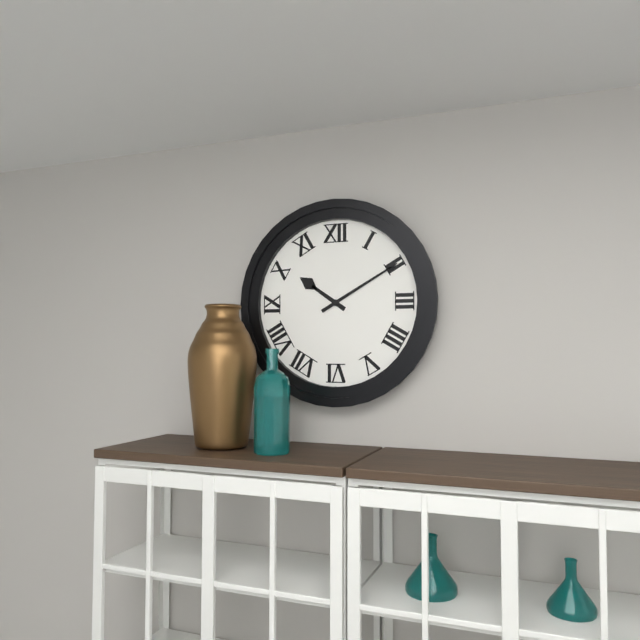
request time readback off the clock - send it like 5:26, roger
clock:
10:10
